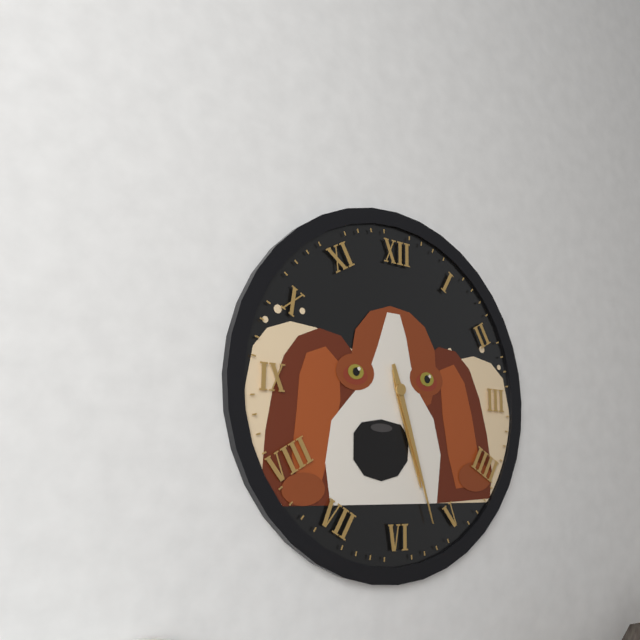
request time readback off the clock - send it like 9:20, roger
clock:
5:27
